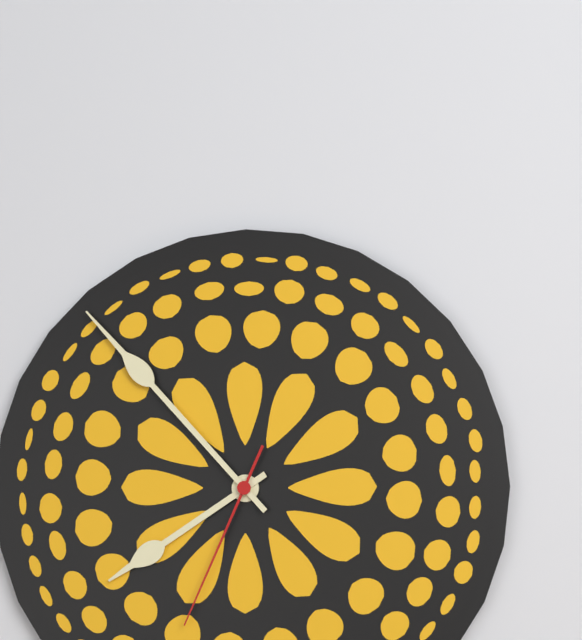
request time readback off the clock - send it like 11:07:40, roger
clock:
7:53:34
